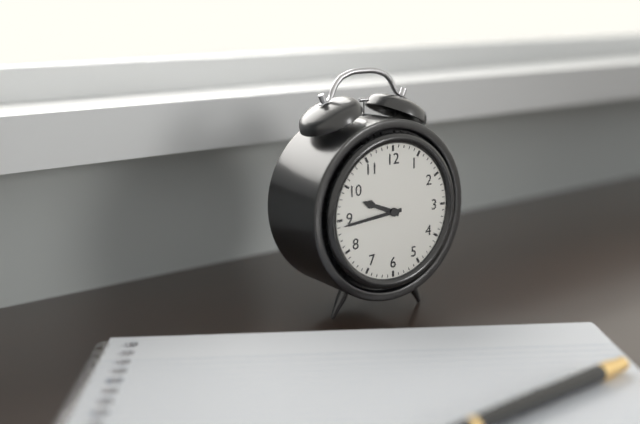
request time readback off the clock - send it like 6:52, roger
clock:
9:44
